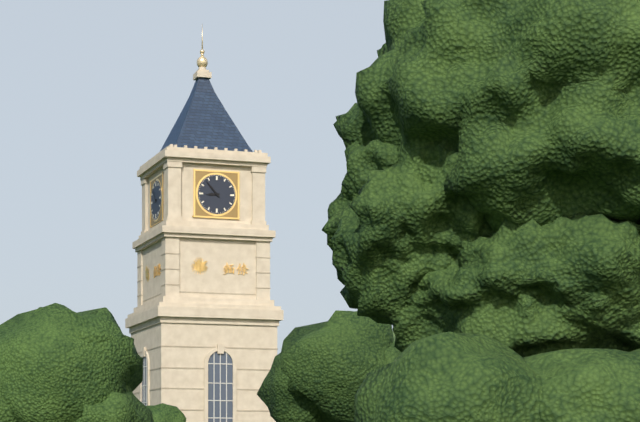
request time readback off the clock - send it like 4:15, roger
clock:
8:53
